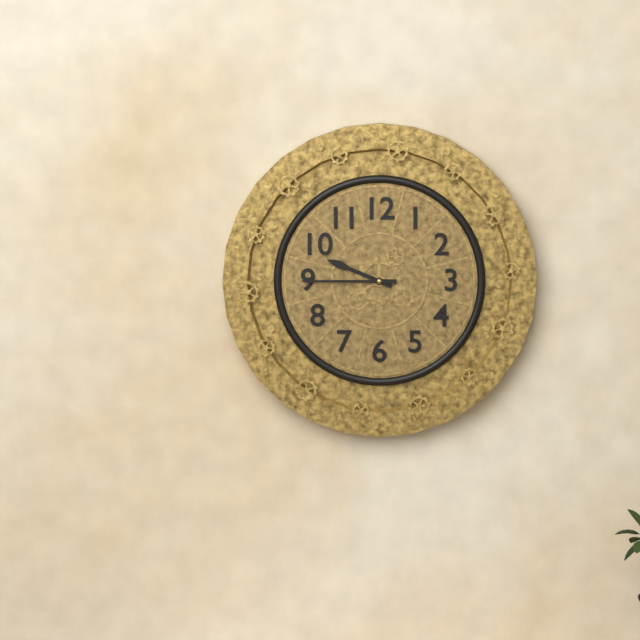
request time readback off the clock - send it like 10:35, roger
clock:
9:45
